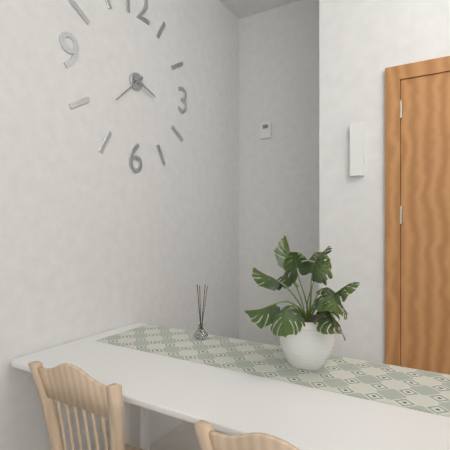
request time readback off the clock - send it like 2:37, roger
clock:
3:38
